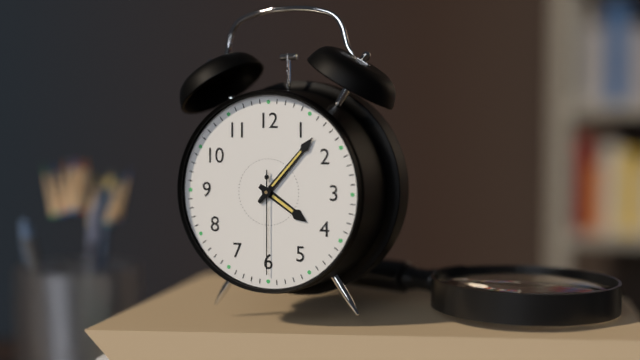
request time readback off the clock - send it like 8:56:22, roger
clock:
4:07:30
